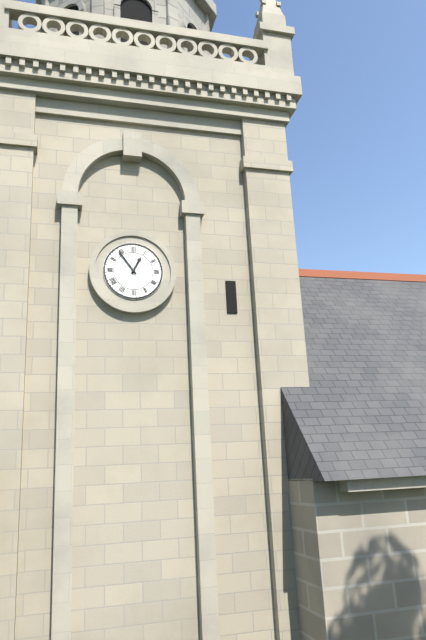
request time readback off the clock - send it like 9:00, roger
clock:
12:54
